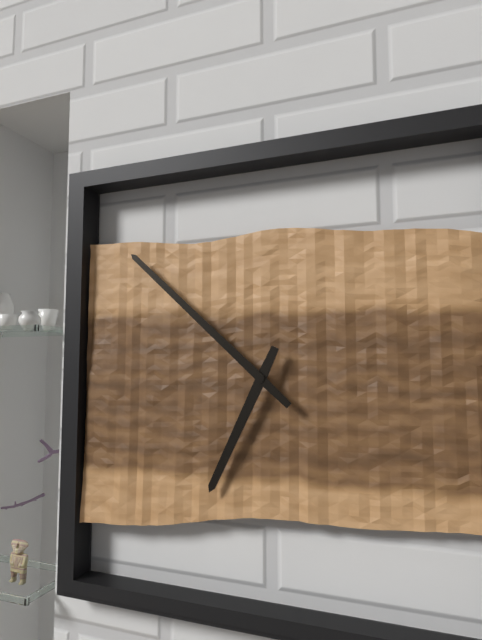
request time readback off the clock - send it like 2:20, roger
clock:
6:52
